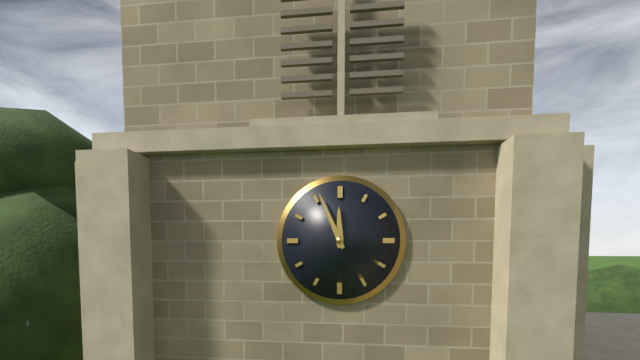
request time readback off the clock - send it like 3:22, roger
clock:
11:56
